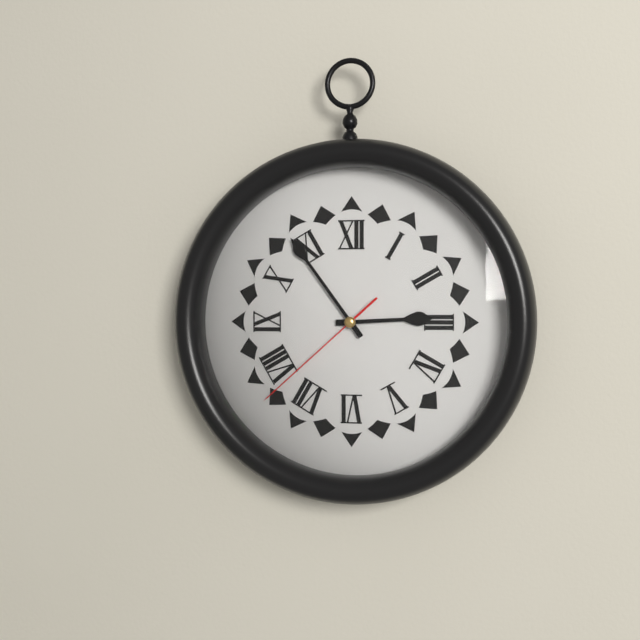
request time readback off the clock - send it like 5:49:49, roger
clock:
2:54:38
